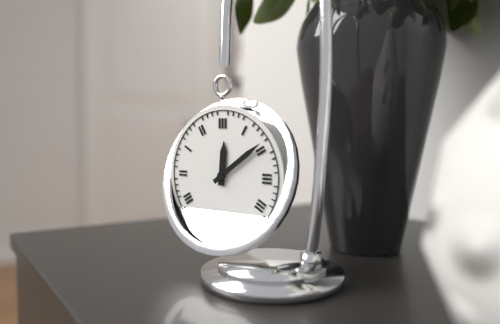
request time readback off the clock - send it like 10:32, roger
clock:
12:09
